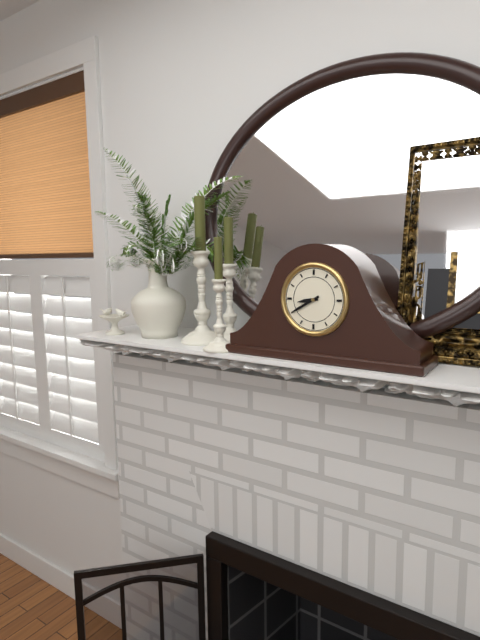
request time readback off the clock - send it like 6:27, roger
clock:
8:40
